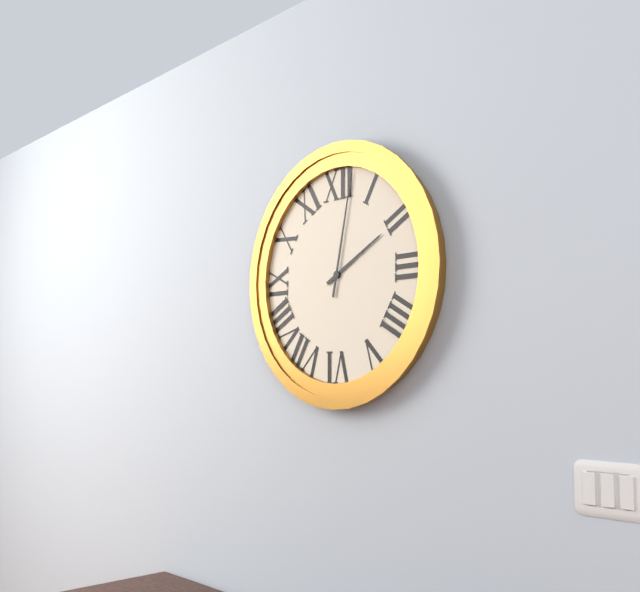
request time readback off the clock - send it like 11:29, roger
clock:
2:02
